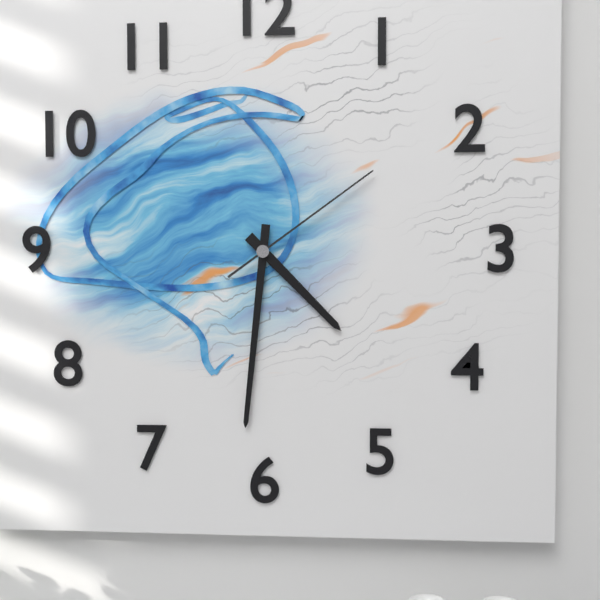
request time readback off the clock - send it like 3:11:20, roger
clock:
4:31:09
